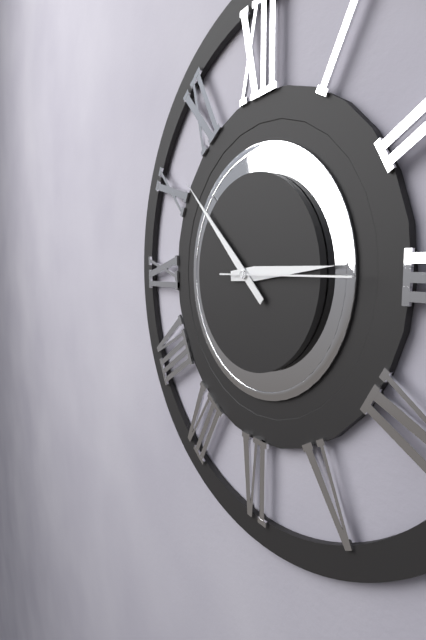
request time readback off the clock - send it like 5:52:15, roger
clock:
2:52:15
